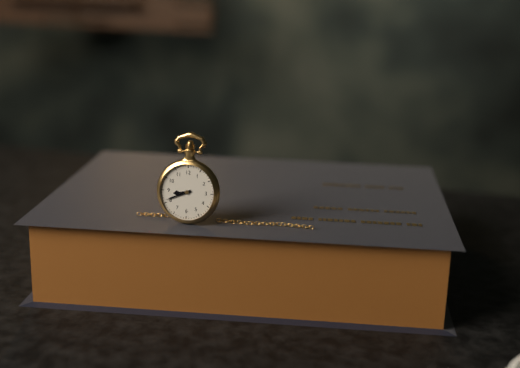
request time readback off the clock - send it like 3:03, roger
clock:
8:41
